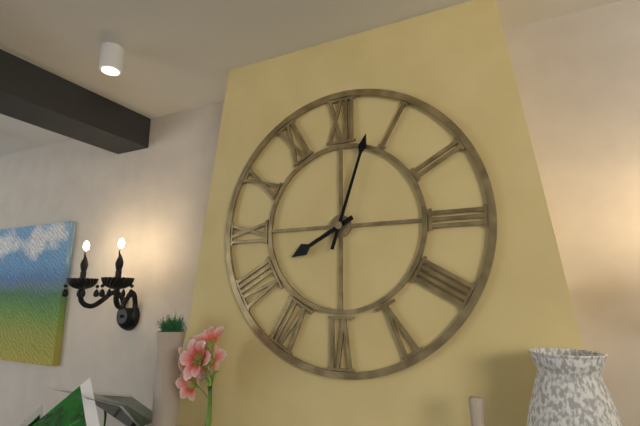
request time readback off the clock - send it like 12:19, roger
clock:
8:03
